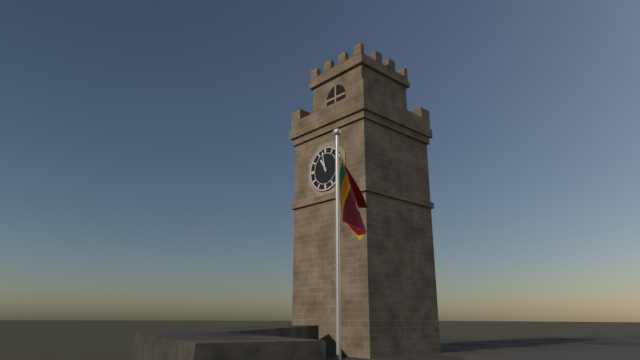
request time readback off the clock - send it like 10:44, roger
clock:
10:58
